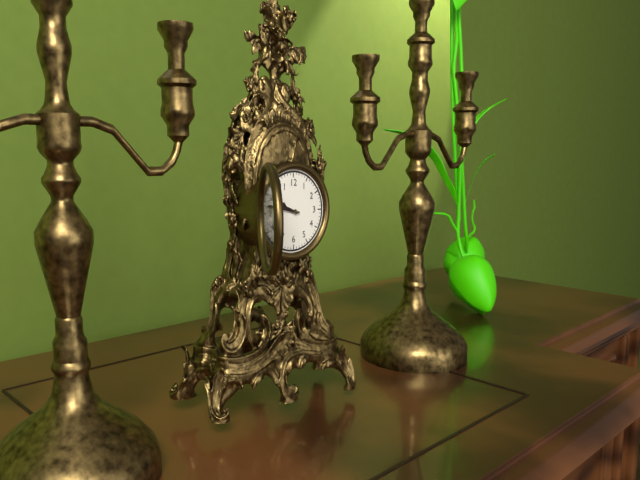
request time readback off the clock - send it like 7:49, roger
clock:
9:47
